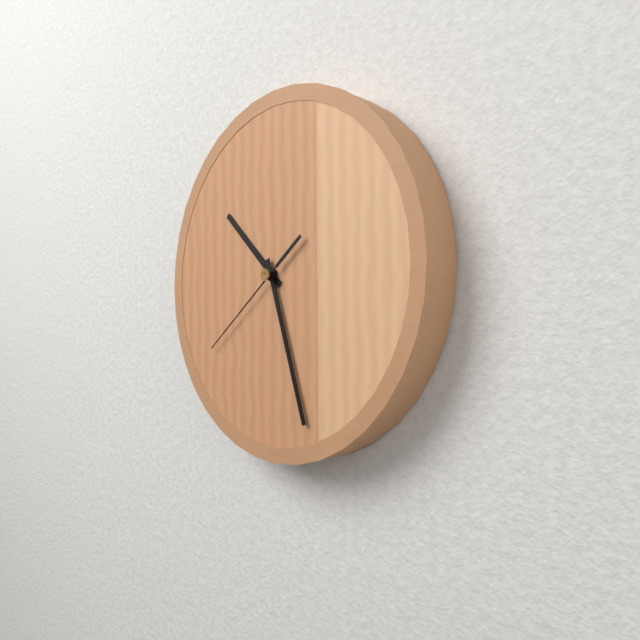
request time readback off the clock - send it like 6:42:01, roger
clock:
10:27:39
